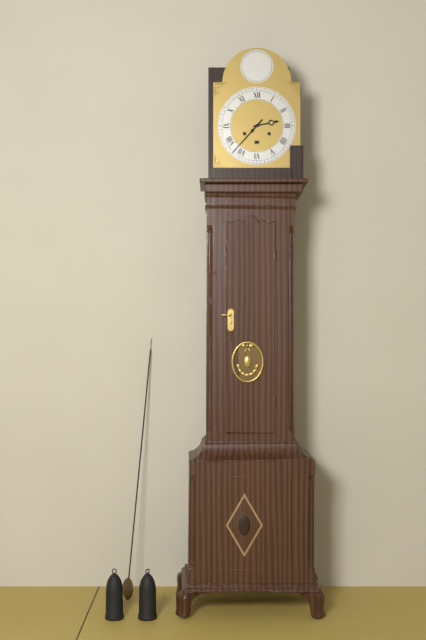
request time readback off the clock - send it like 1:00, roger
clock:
2:37
